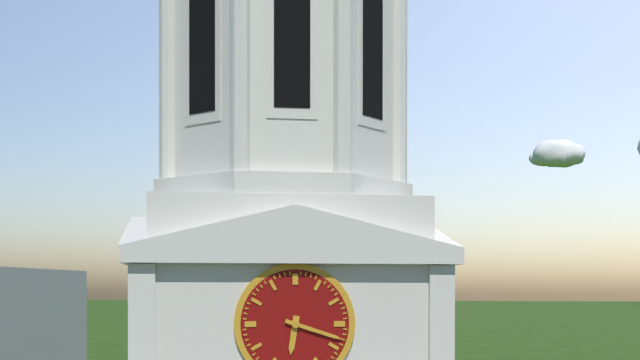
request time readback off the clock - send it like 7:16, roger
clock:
6:18
